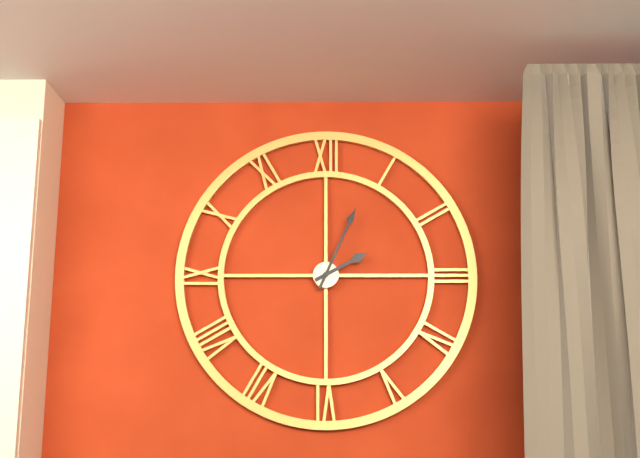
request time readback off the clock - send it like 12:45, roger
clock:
2:04
